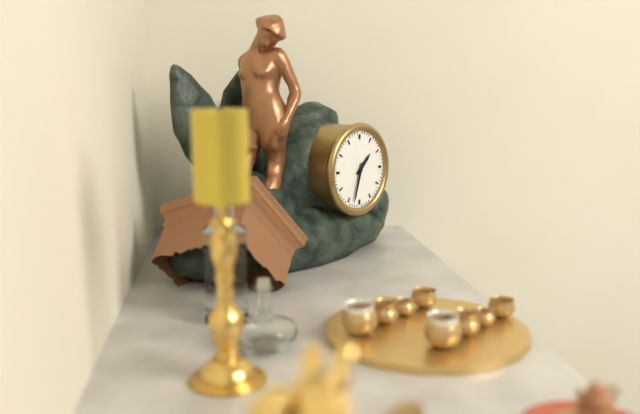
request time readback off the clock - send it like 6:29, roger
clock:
1:33
